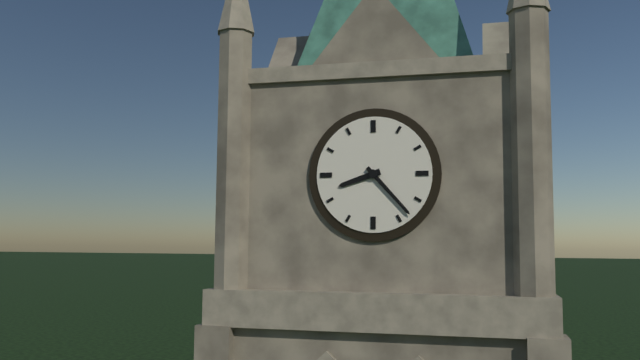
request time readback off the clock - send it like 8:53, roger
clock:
8:23
